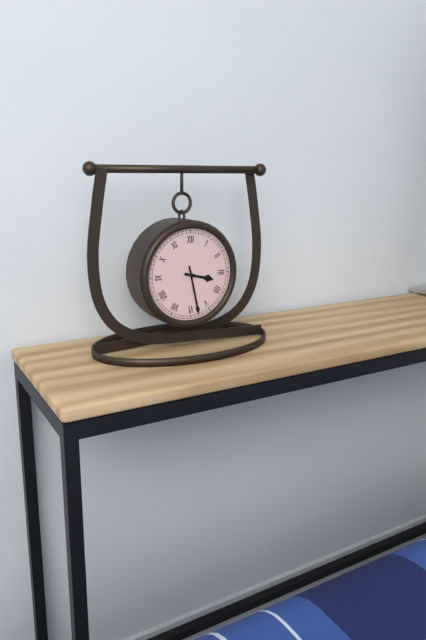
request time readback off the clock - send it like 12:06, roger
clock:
3:28
